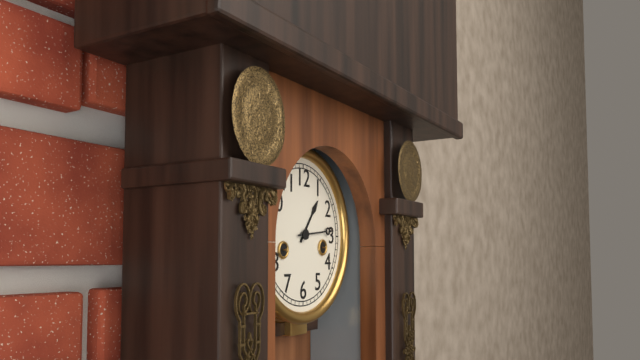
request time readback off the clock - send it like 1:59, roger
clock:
1:14
